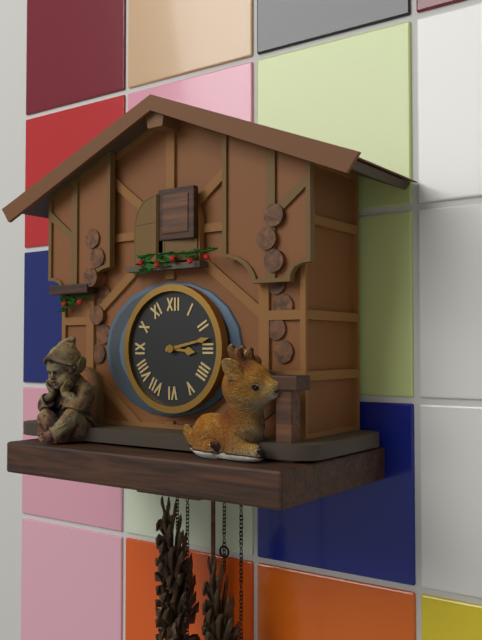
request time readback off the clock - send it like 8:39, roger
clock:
3:13
